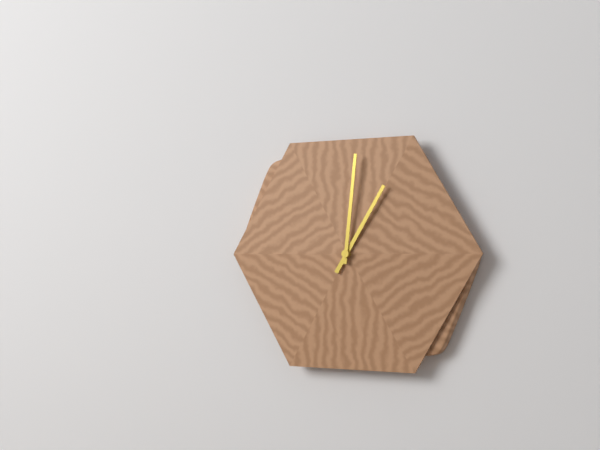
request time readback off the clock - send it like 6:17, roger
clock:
1:01
